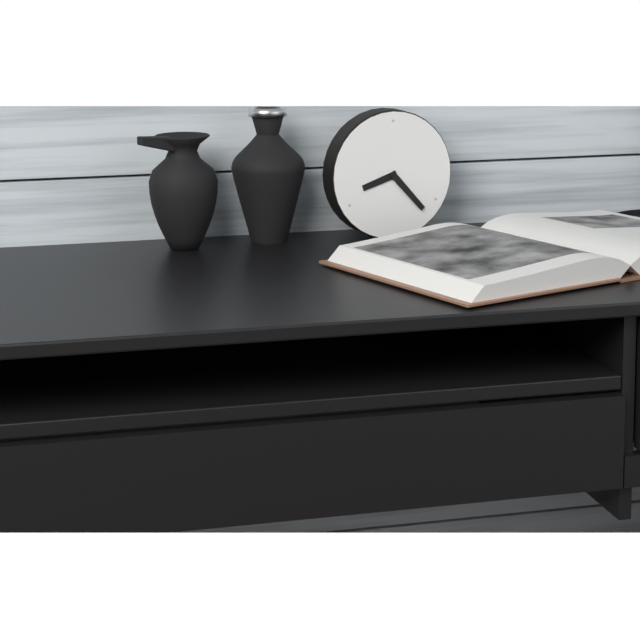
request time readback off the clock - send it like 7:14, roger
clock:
8:23
